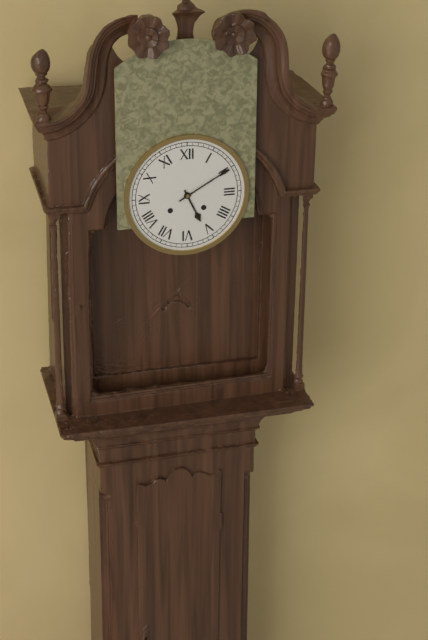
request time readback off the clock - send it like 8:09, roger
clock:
5:10
